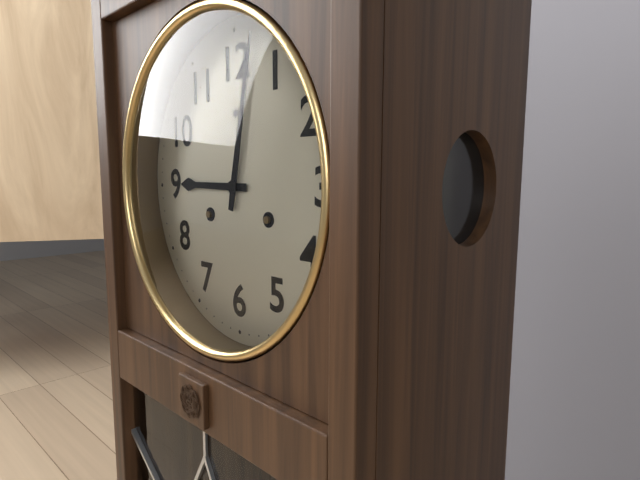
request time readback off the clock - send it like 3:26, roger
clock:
9:02
